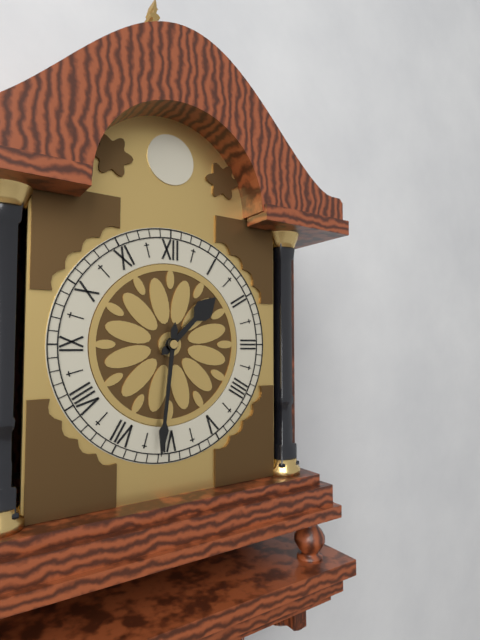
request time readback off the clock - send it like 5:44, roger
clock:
1:31
